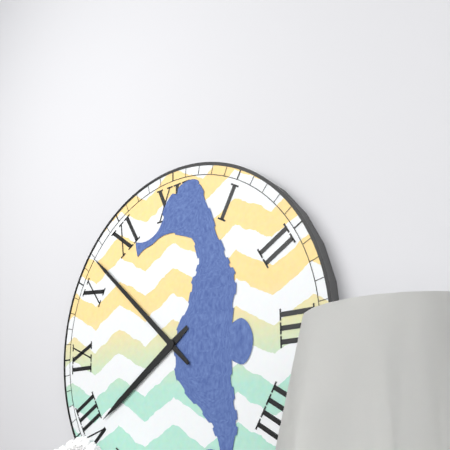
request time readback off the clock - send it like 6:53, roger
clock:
7:52
